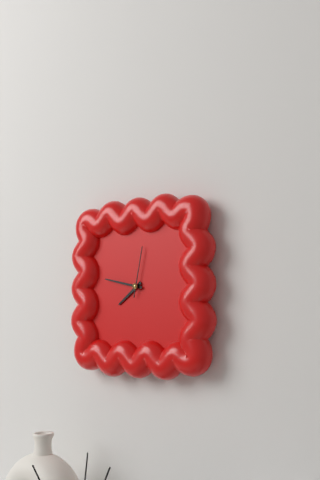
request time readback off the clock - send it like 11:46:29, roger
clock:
7:47:02
